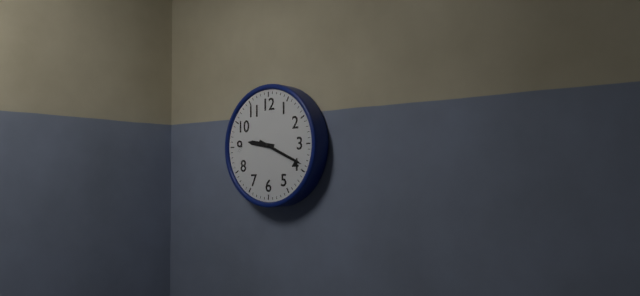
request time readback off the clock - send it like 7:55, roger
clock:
9:19
